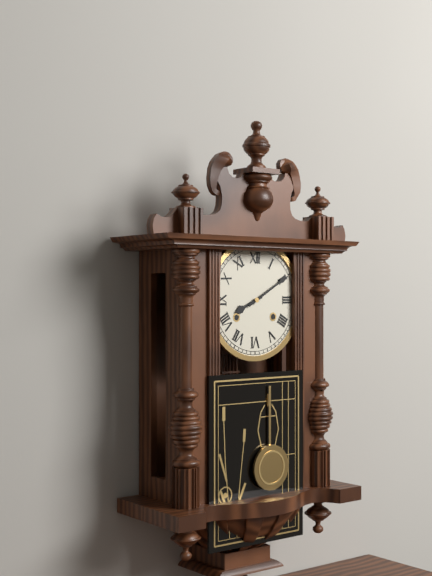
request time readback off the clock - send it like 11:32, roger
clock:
8:10
